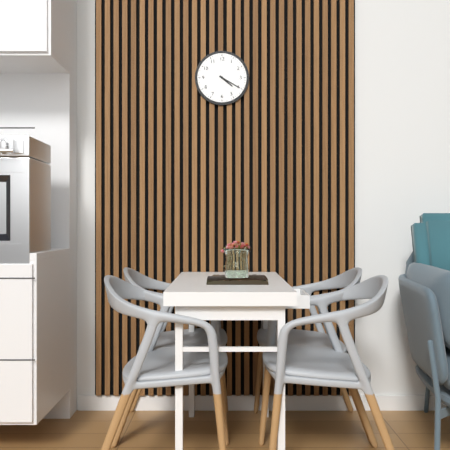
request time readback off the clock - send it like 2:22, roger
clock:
4:20
